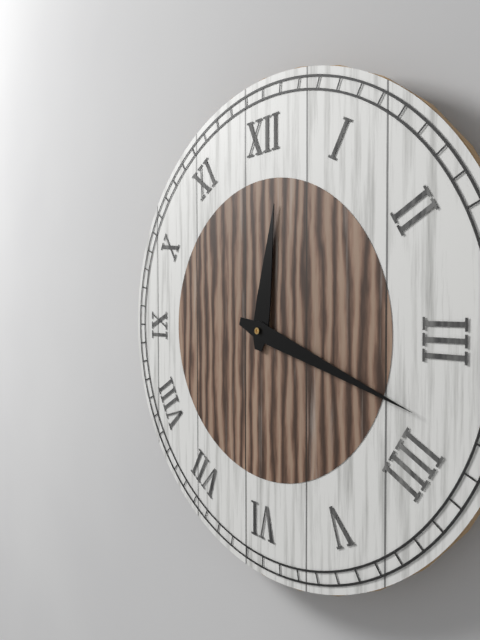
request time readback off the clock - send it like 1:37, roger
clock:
12:18
